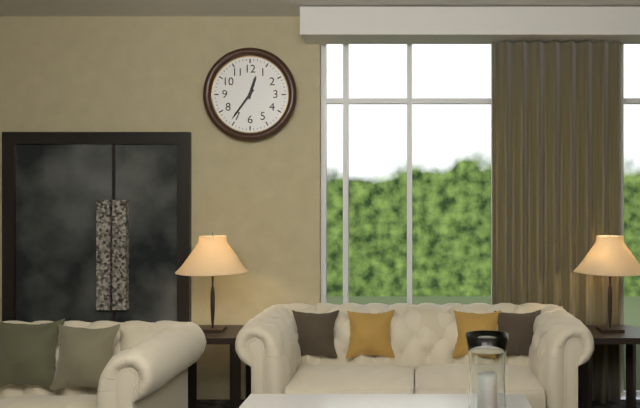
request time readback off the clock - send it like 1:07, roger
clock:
12:36
